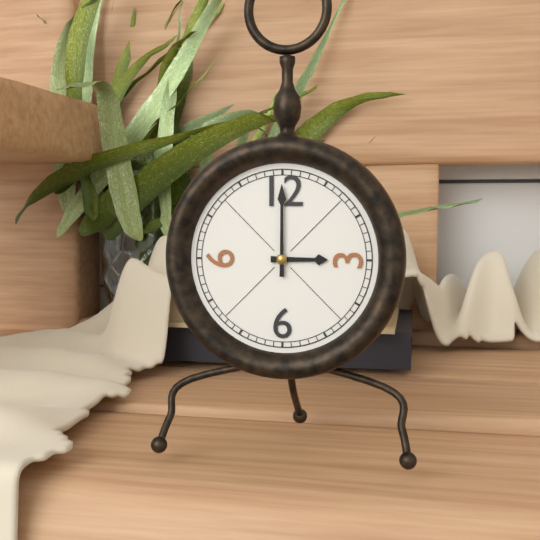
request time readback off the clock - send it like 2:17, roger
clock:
3:00
